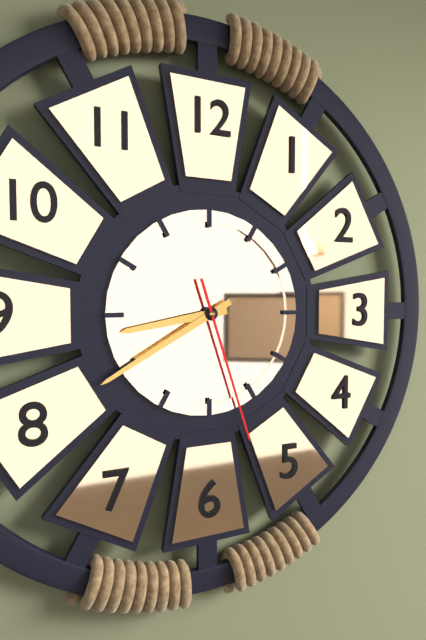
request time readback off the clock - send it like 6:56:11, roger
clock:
8:40:27
